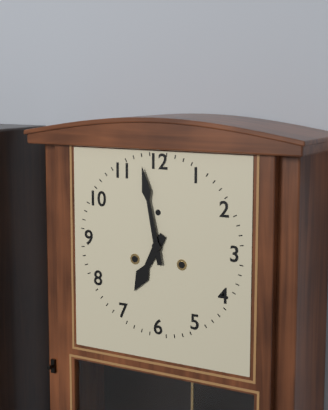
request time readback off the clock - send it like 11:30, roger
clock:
6:58
